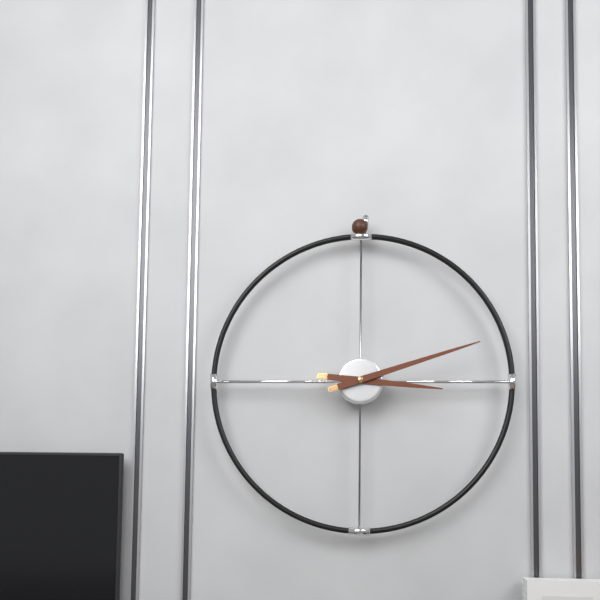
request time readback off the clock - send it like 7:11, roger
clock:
3:12
